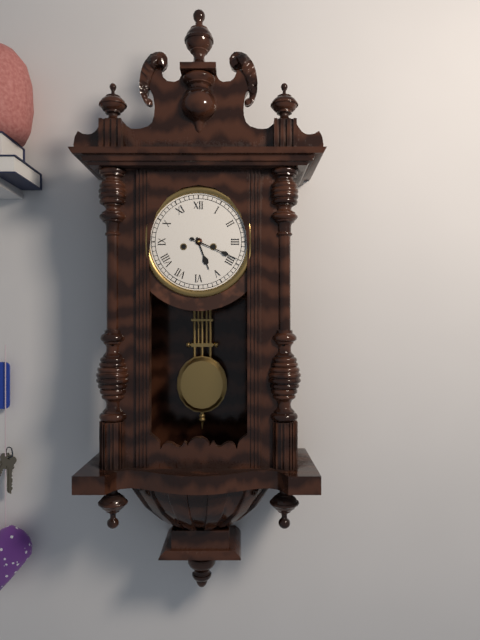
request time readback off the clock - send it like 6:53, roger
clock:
5:19
